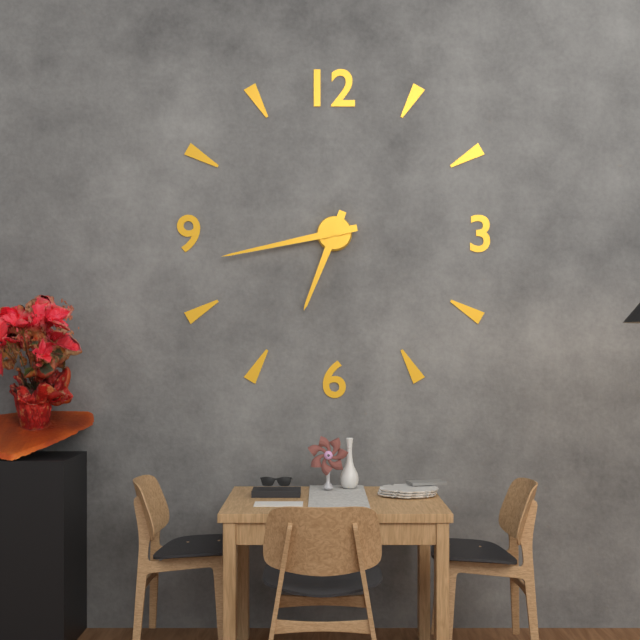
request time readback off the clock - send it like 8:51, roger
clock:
6:43
